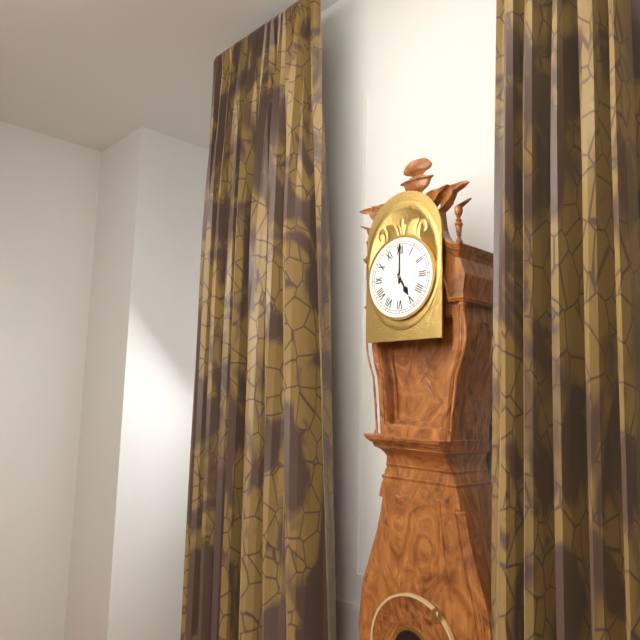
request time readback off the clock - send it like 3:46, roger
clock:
5:00
